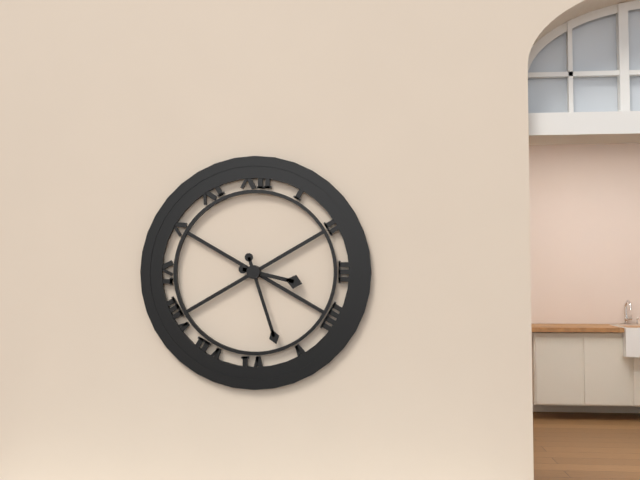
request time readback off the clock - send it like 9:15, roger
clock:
3:27
